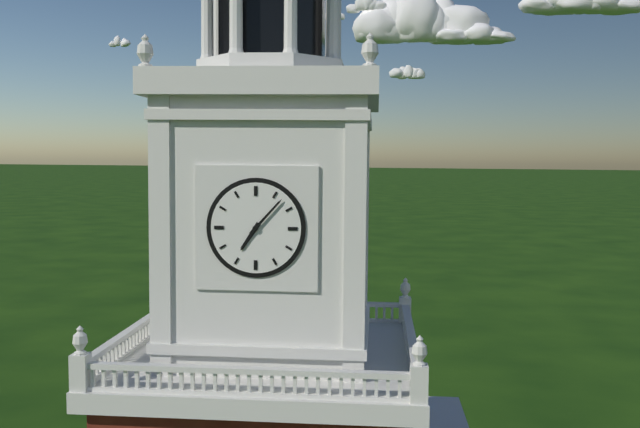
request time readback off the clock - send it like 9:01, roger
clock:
7:07
